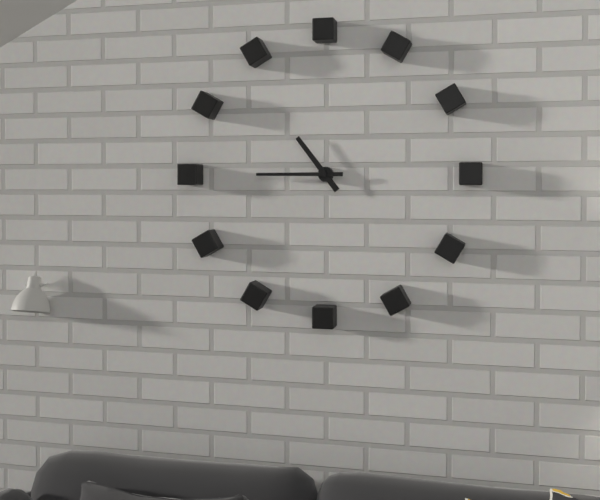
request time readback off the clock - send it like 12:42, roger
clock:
10:45
